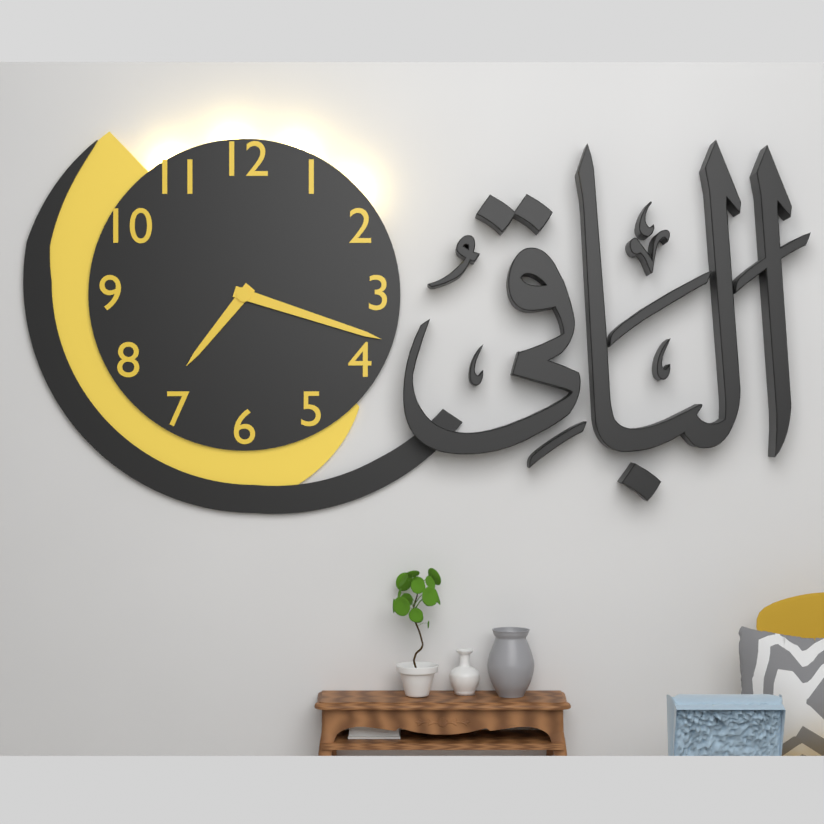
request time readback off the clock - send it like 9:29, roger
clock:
7:18
